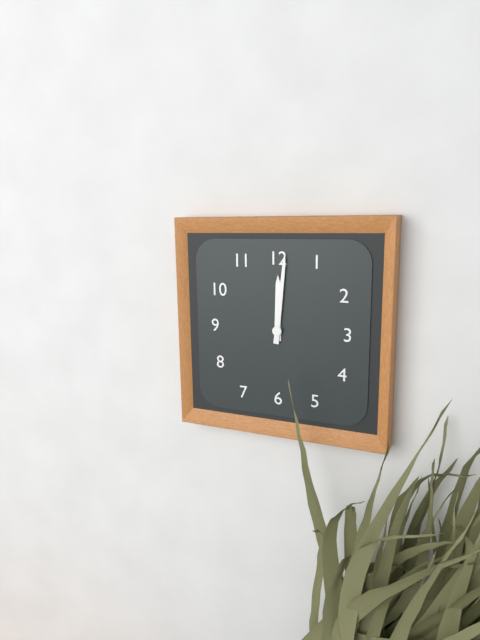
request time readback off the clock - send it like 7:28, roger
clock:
12:01
